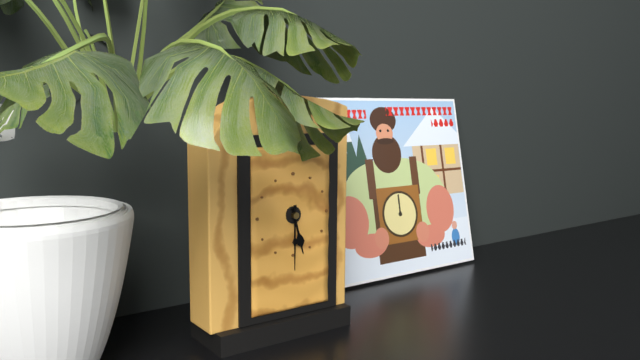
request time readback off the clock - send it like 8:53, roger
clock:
5:30
